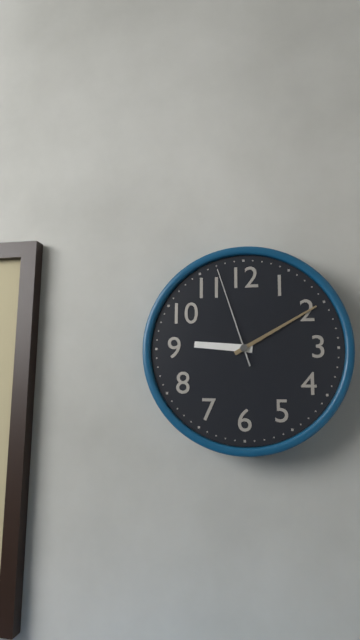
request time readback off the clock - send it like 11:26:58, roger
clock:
9:10:57
